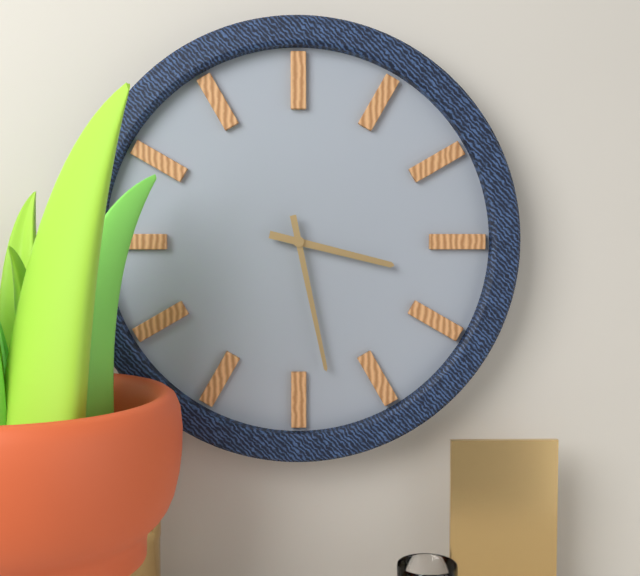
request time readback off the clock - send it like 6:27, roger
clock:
3:28
